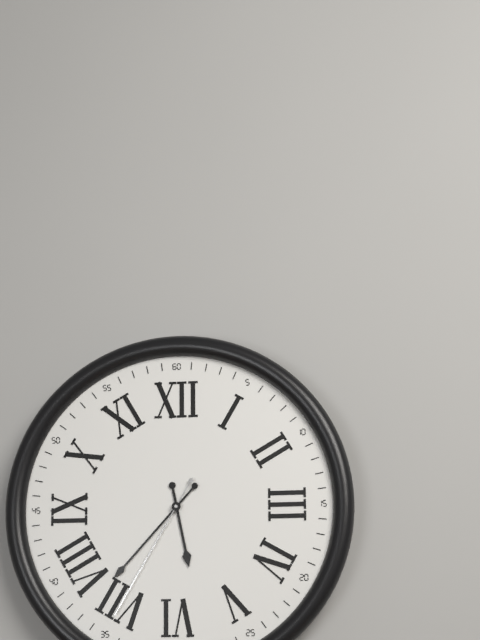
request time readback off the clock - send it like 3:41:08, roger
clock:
5:37:35
